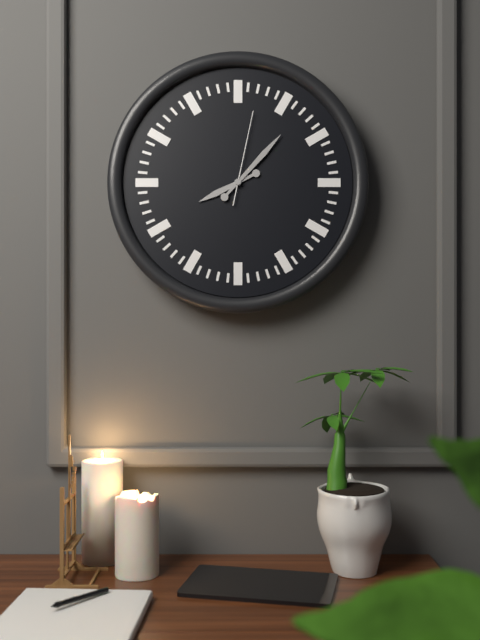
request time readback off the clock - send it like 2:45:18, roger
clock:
8:07:02
